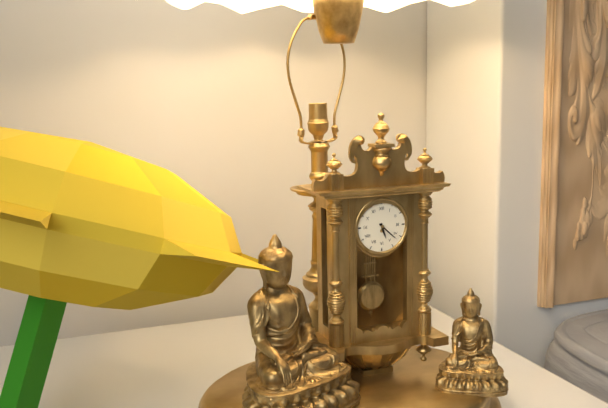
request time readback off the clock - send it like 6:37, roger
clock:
5:22
